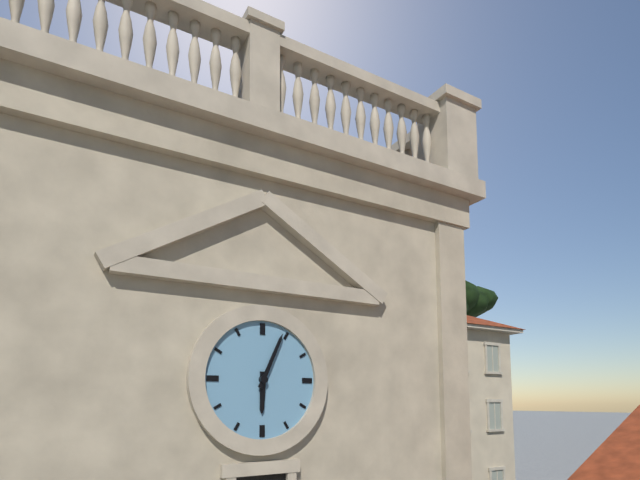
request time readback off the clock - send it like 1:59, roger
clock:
6:04
